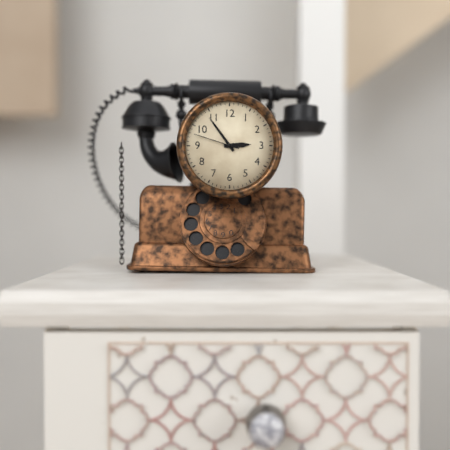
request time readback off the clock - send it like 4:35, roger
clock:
2:54
